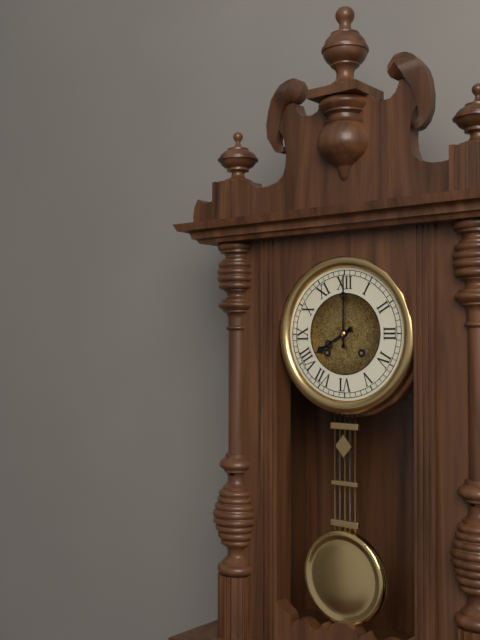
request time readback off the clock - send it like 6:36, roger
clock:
8:00
